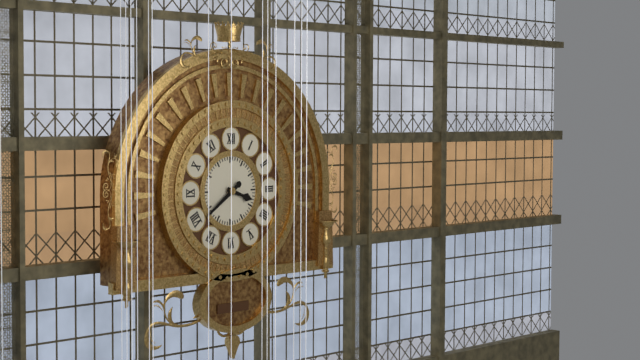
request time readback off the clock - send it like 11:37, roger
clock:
3:39
